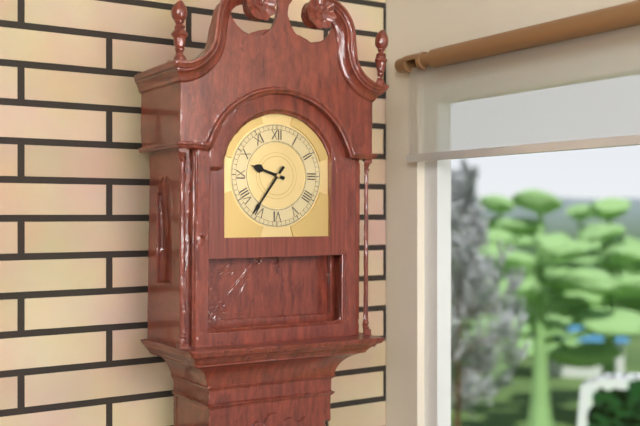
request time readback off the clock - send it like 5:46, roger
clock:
9:36
